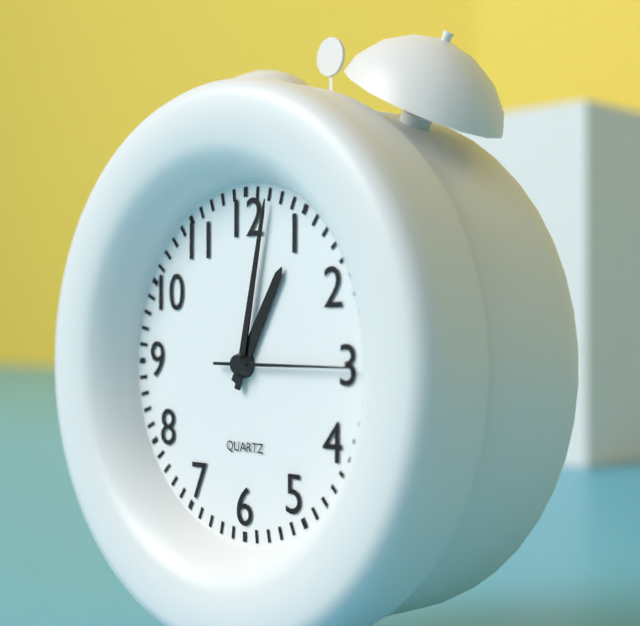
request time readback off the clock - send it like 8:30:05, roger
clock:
1:02:15
